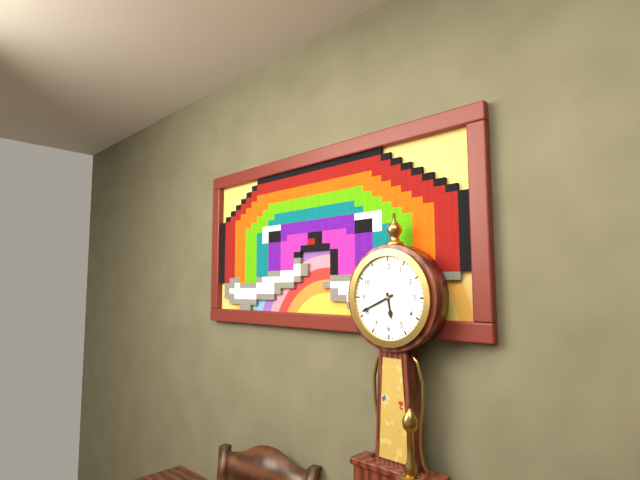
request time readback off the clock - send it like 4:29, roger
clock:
5:41
